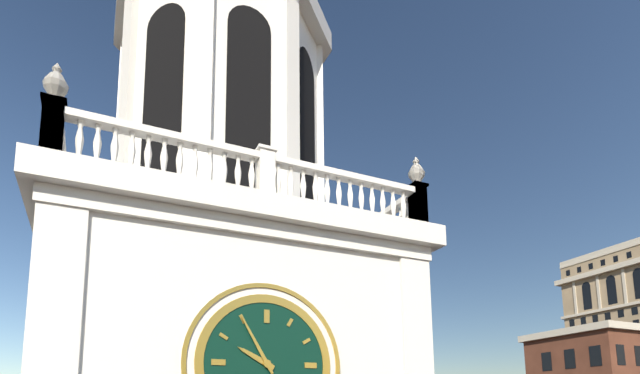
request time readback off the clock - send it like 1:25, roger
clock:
9:55
